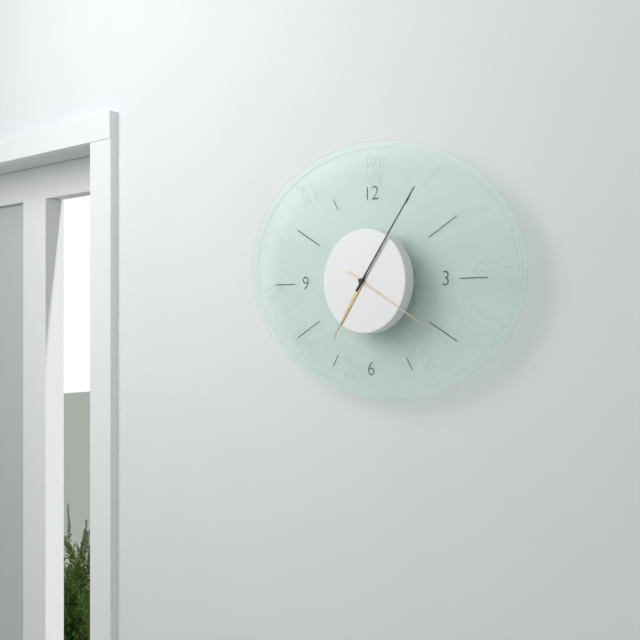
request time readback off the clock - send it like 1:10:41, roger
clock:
7:06:20
